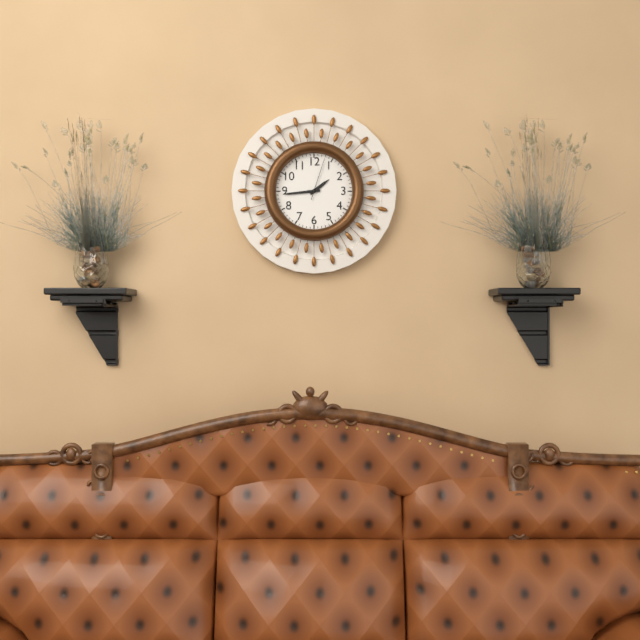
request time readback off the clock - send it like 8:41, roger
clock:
1:44
